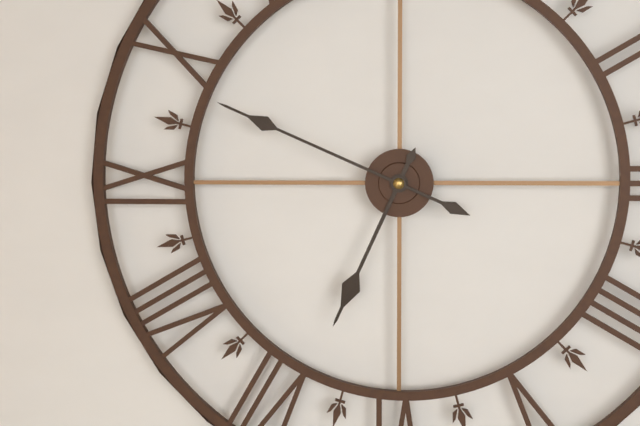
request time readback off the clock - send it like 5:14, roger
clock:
6:49
